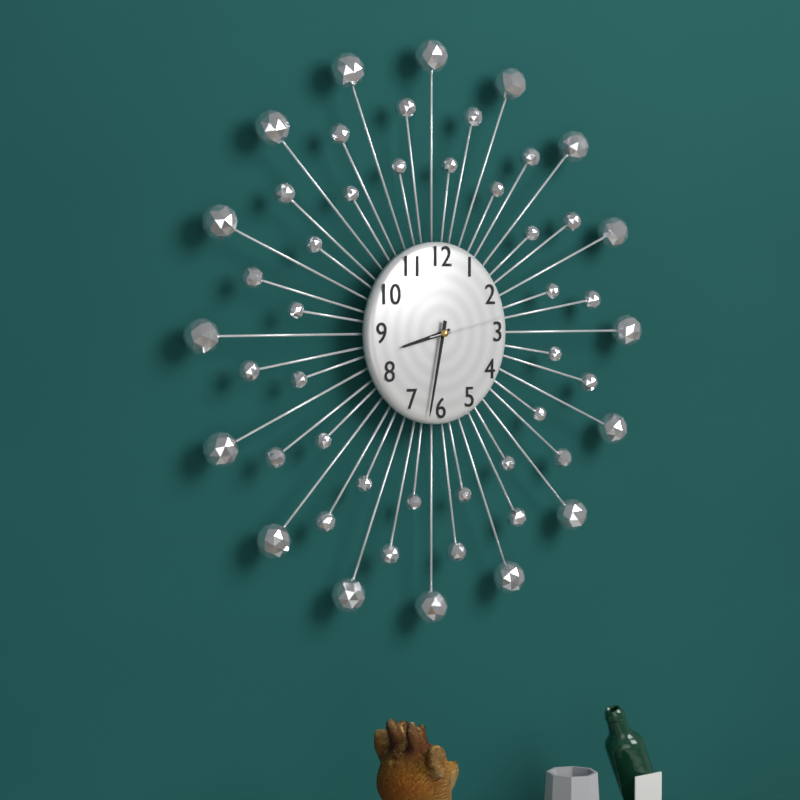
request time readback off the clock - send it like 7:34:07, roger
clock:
8:32:13
